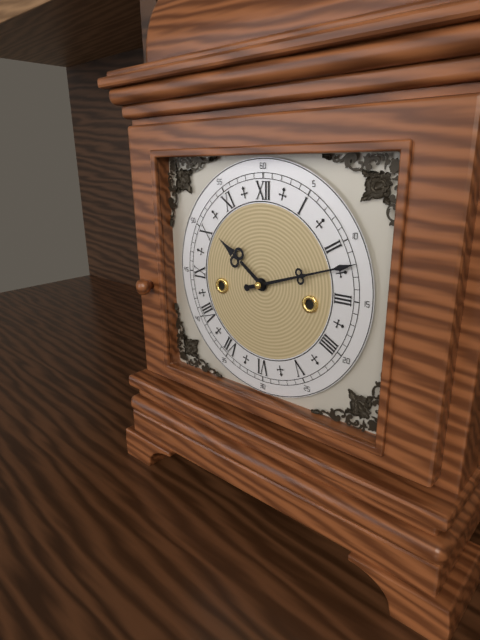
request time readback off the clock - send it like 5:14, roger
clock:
10:12
